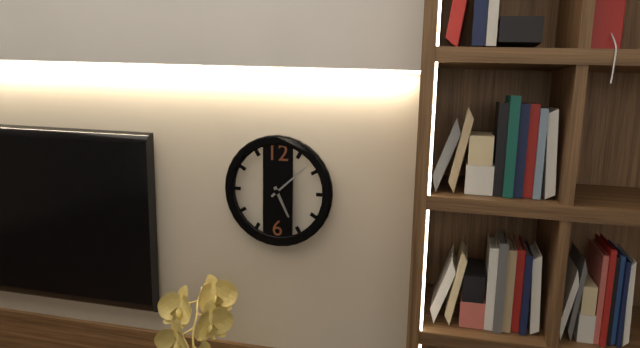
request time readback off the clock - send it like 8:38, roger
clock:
5:08
